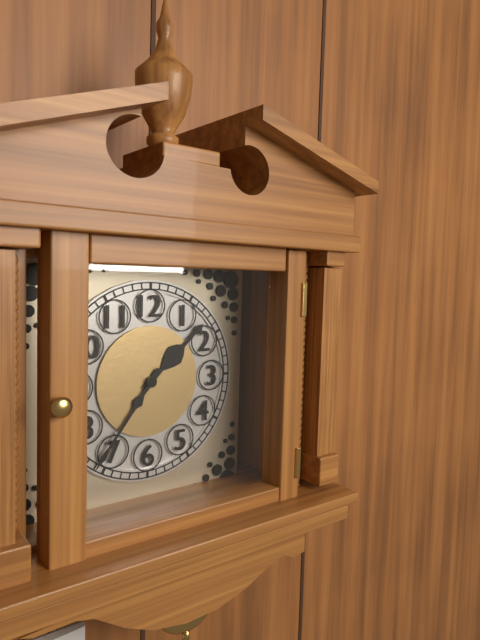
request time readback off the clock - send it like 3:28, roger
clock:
1:36
